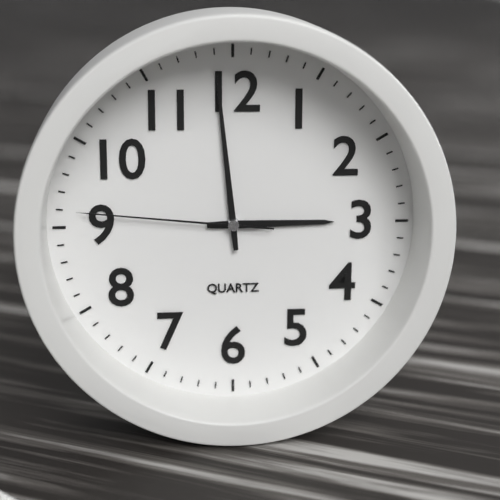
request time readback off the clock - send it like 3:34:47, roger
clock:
2:59:46
